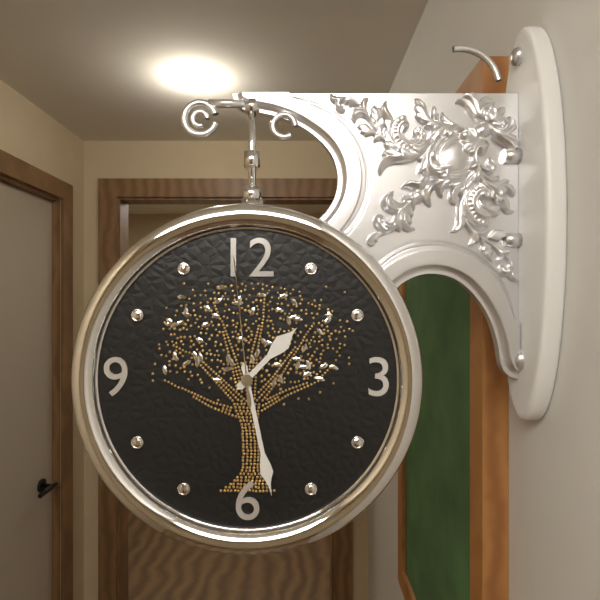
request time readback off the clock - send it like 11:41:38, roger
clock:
1:28:59
